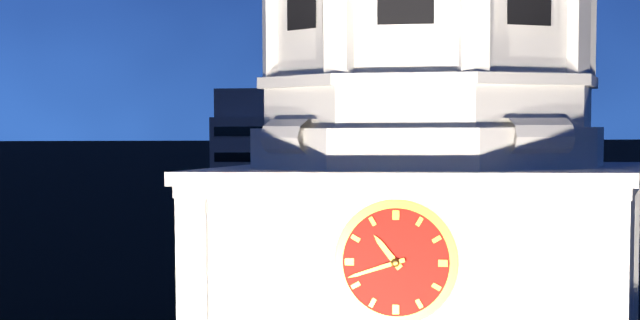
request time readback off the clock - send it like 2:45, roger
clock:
10:42
